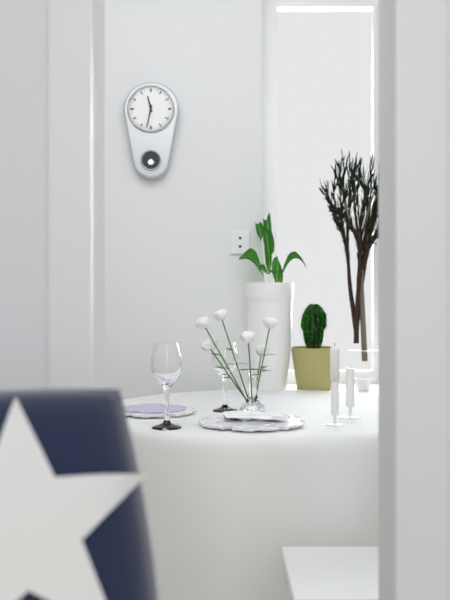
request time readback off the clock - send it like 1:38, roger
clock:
11:32
